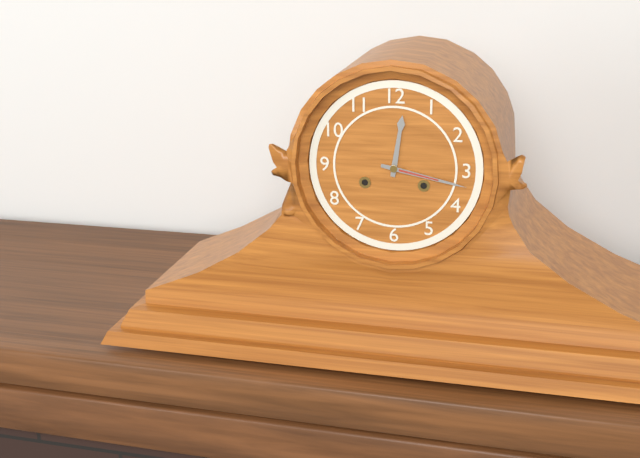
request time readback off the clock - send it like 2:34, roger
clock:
12:17
